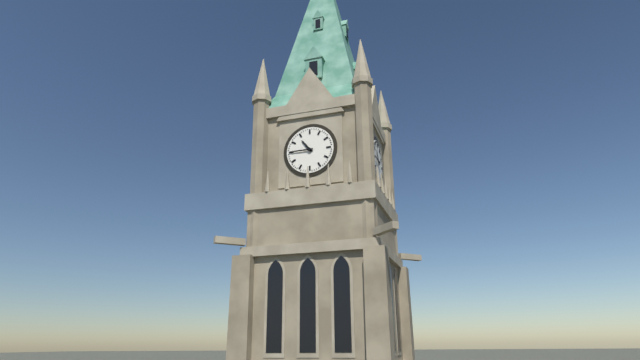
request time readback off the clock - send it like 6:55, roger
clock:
10:45
